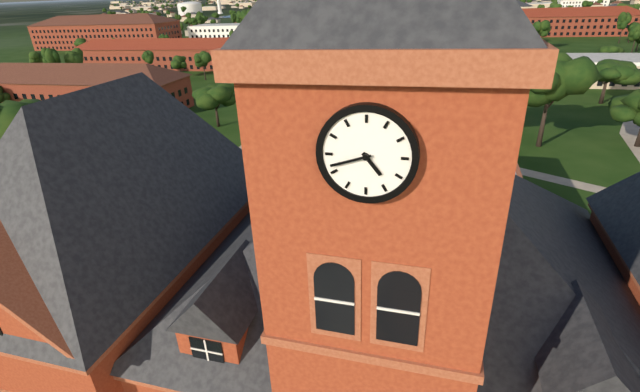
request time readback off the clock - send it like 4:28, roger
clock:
4:42
